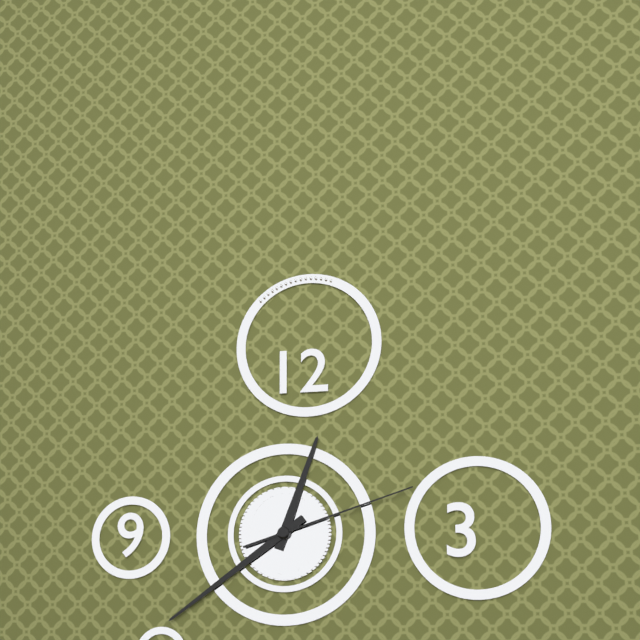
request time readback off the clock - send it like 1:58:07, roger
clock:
12:39:12
